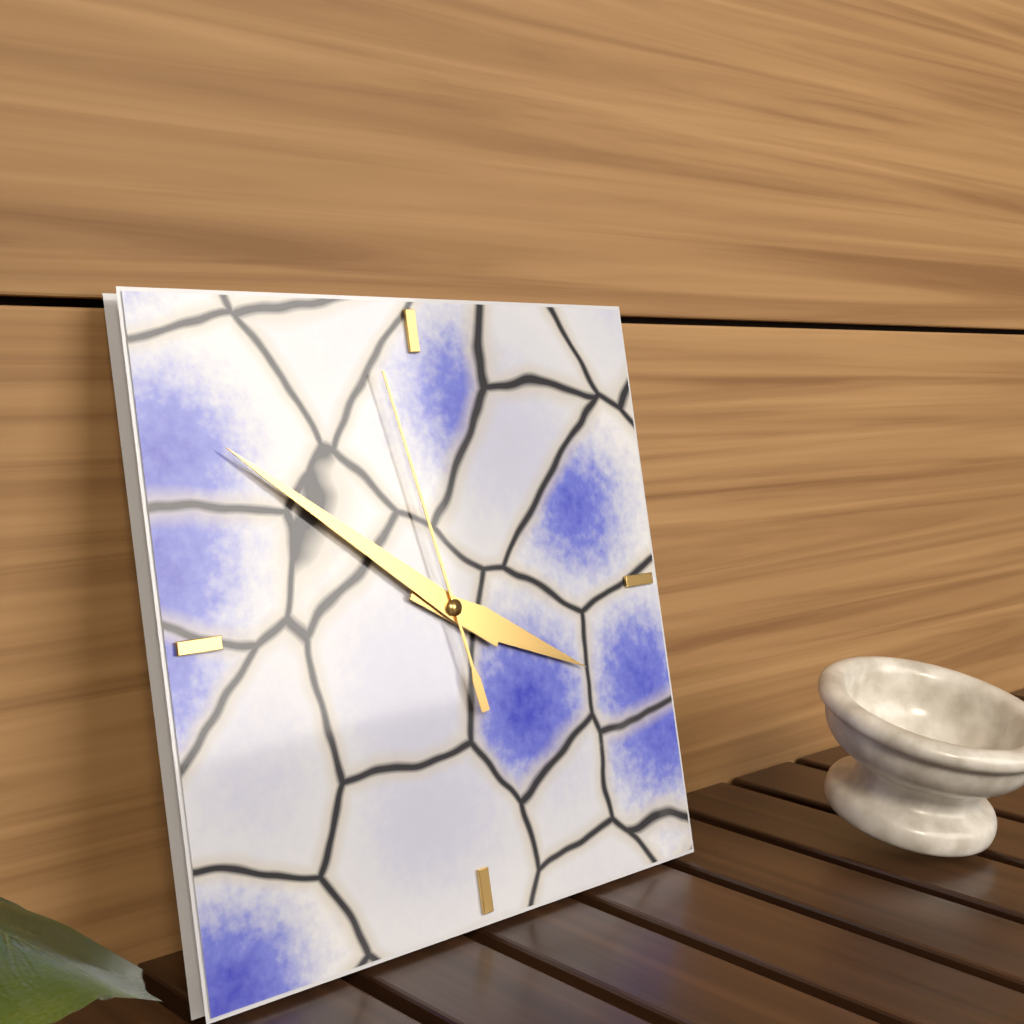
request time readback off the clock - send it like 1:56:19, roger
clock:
3:51:58
